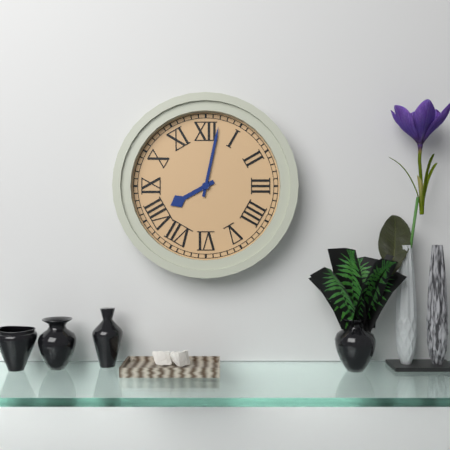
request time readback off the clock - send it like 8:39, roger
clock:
8:02
